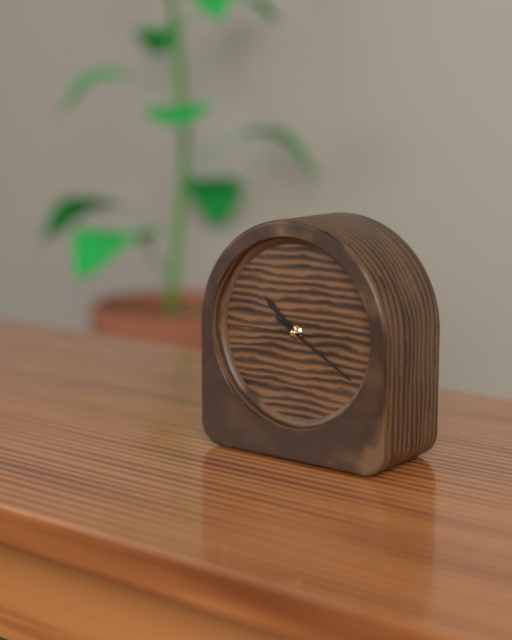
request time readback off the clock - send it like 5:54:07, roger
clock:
10:20:45
